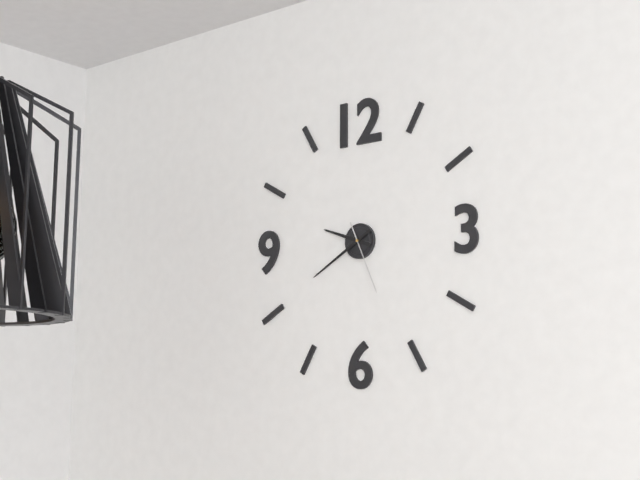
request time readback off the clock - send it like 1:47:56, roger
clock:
9:40:26
